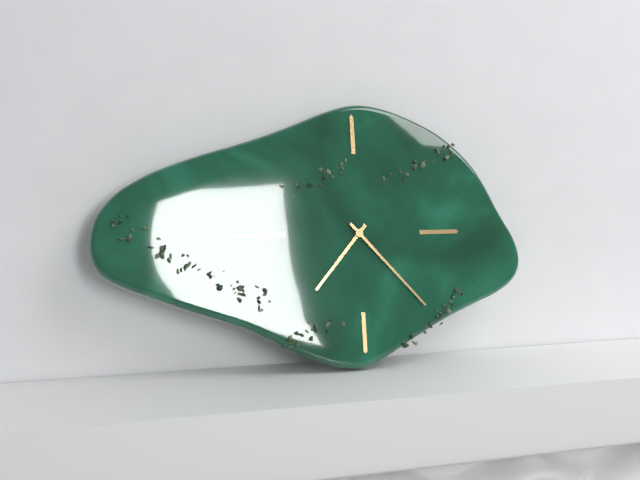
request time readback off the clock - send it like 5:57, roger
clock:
7:23
